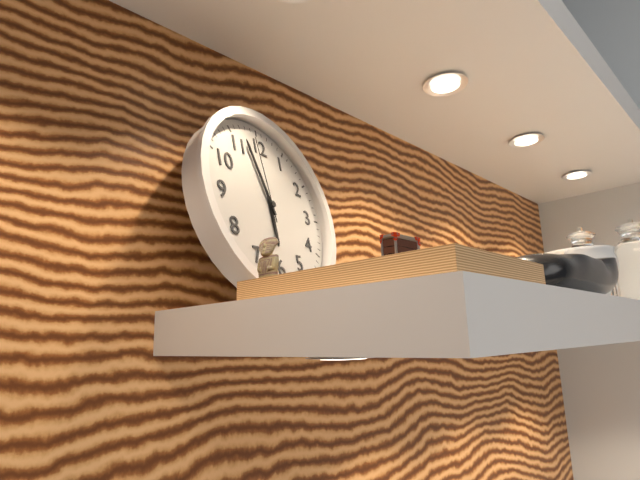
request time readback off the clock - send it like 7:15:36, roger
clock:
5:57:59
